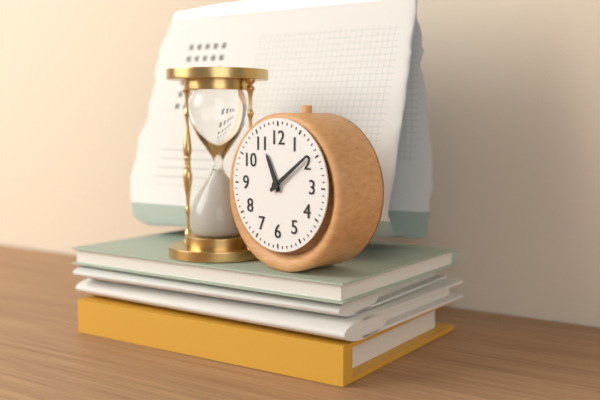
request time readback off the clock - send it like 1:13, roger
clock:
11:09
